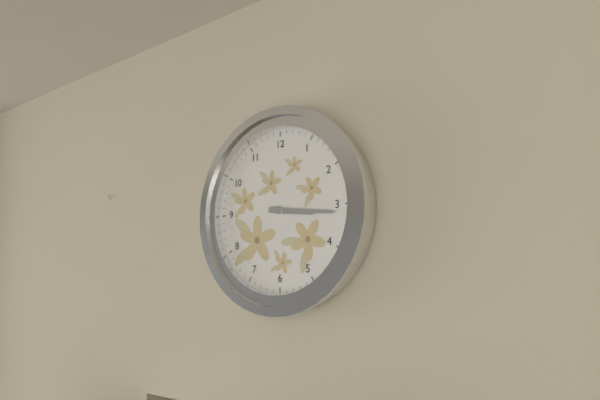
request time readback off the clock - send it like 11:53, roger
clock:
3:16
